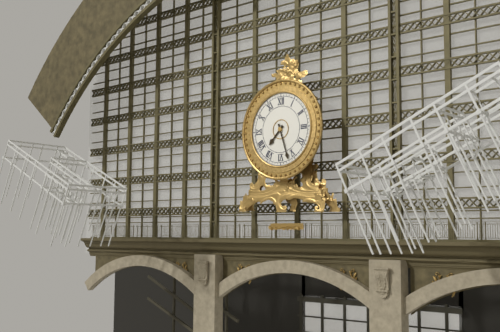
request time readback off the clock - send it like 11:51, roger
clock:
7:27
